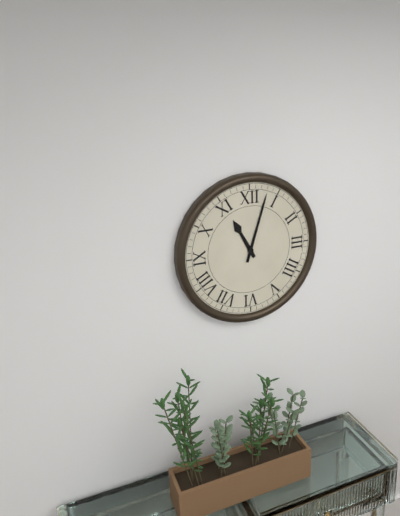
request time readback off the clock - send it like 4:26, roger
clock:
11:03
